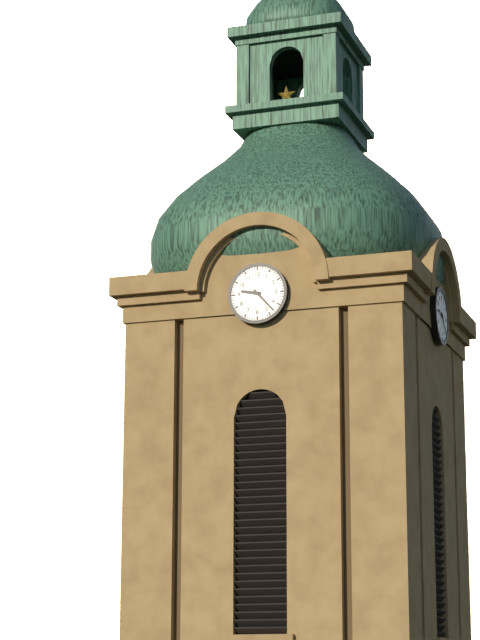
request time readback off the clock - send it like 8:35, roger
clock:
9:23
